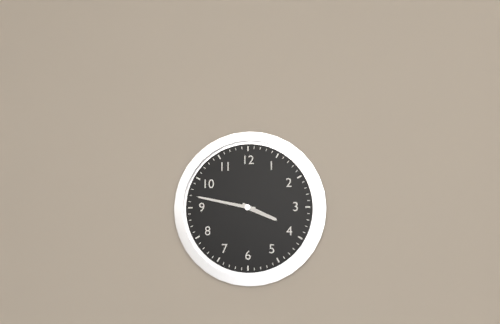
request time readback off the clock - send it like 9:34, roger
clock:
3:47
